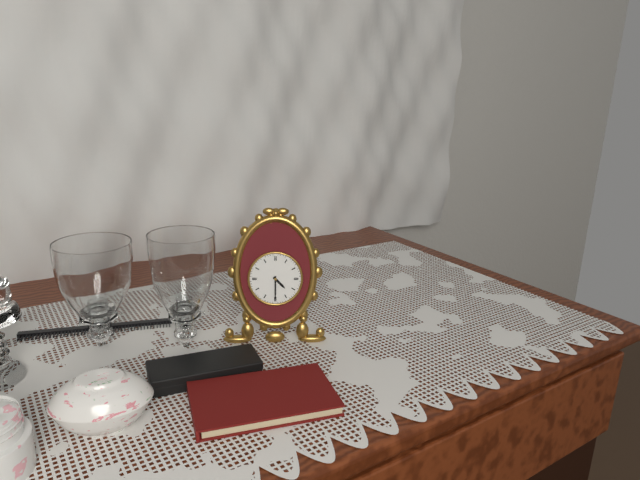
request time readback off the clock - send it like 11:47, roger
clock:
4:30
